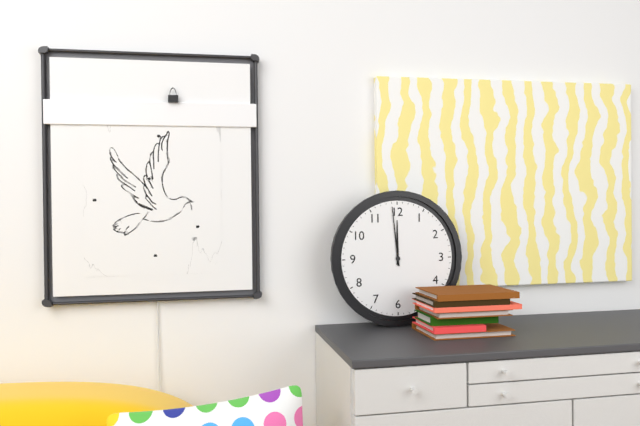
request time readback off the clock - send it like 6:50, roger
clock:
11:59
